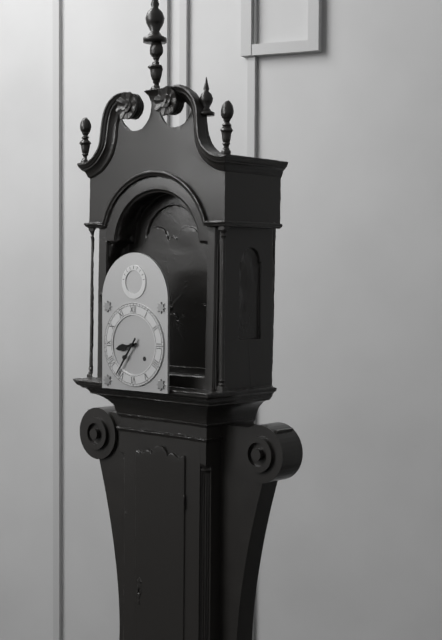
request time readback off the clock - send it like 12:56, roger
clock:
8:36
